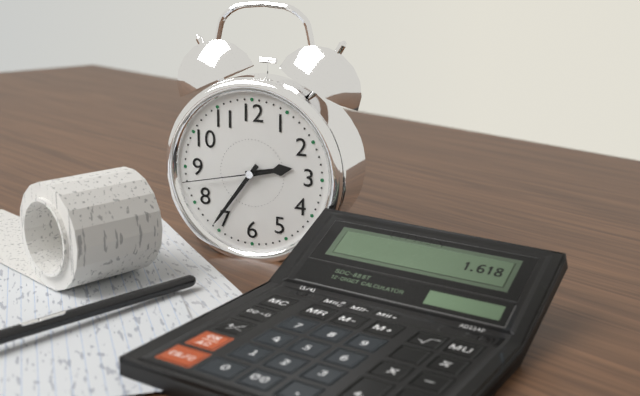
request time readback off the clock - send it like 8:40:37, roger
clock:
2:36:43
